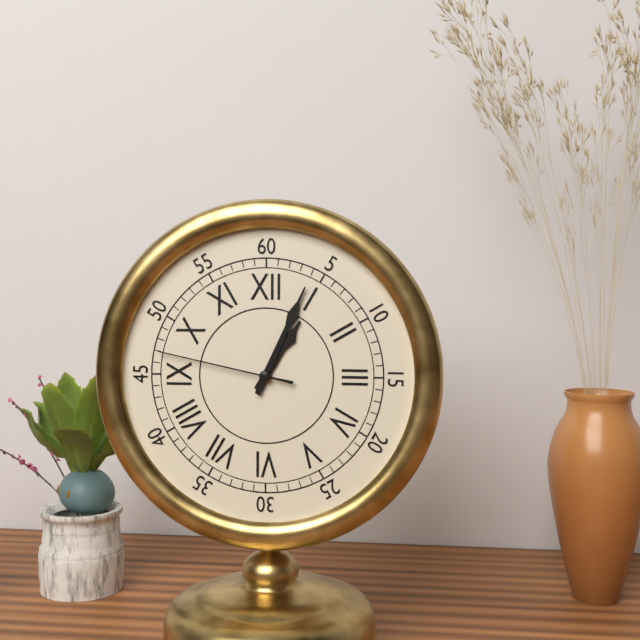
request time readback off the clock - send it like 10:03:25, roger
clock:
1:04:47
